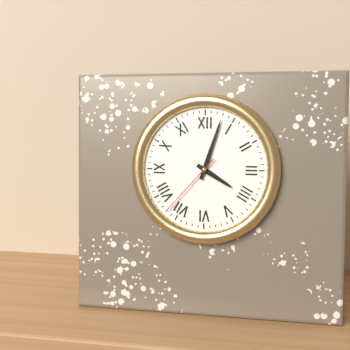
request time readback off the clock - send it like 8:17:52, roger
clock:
4:03:37
